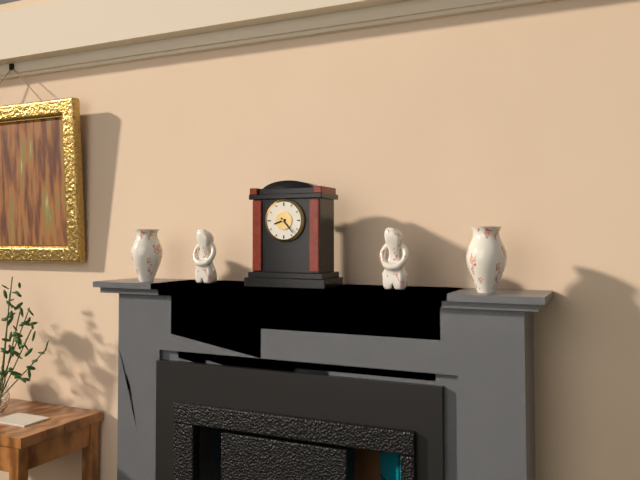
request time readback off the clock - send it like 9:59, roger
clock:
8:23
